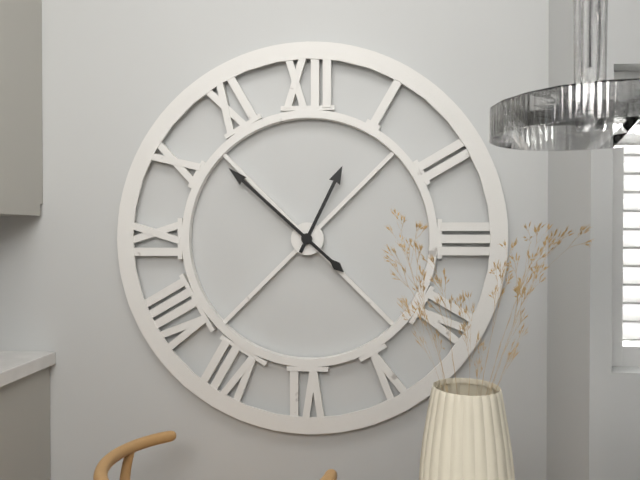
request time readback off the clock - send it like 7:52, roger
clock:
12:52
